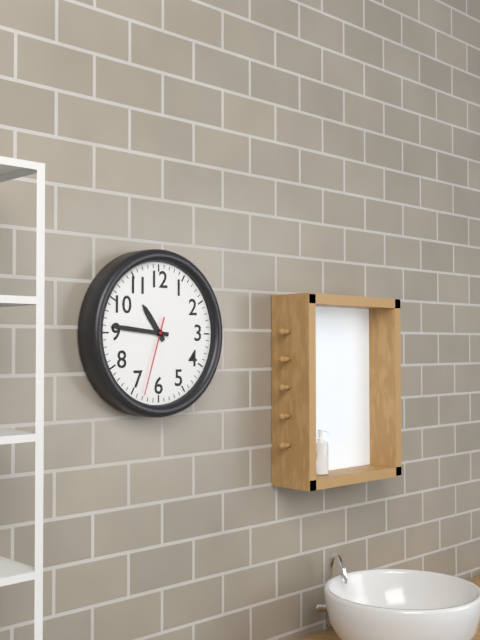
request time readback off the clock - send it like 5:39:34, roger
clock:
10:46:33
